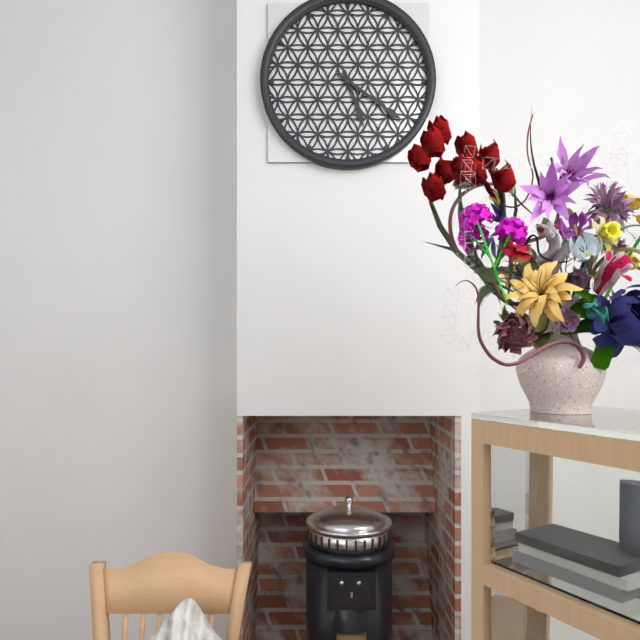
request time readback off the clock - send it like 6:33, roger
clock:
5:21
